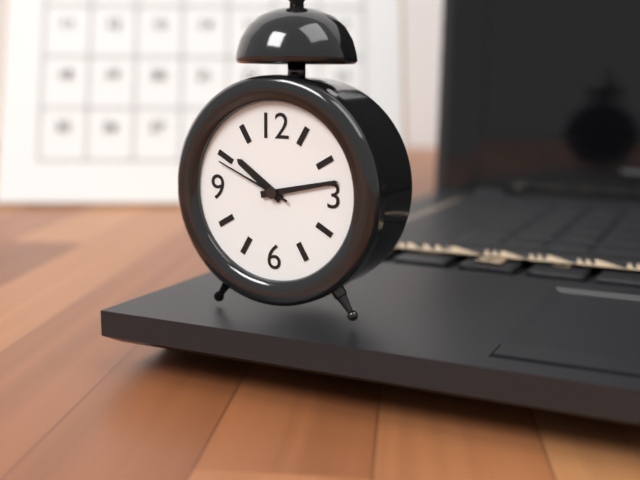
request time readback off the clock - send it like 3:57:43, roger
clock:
10:13:49
